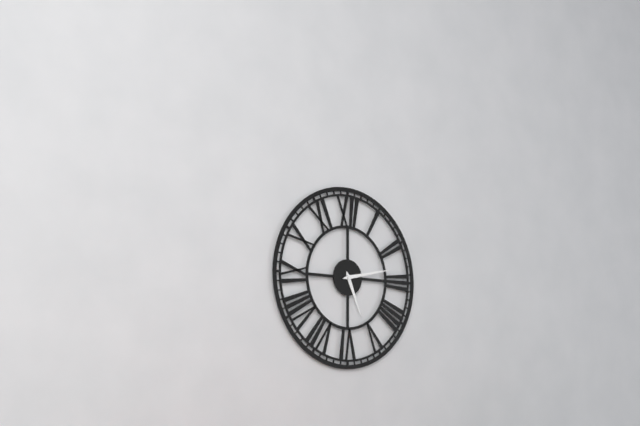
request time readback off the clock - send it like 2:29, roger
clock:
5:13
